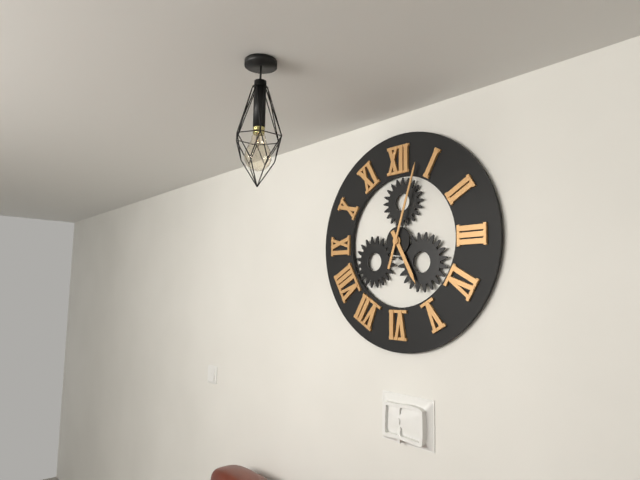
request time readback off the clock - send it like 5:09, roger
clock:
5:03
